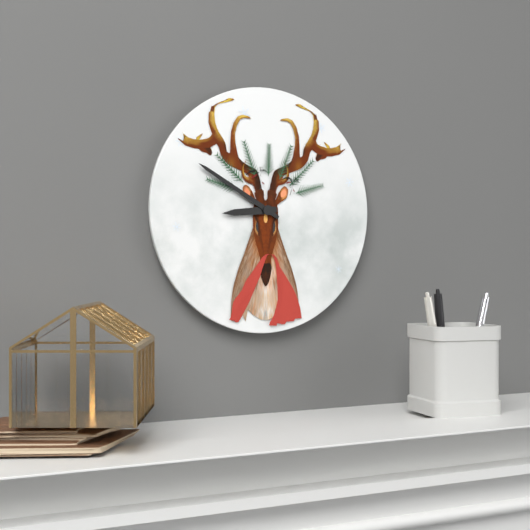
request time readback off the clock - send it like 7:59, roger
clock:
8:50
